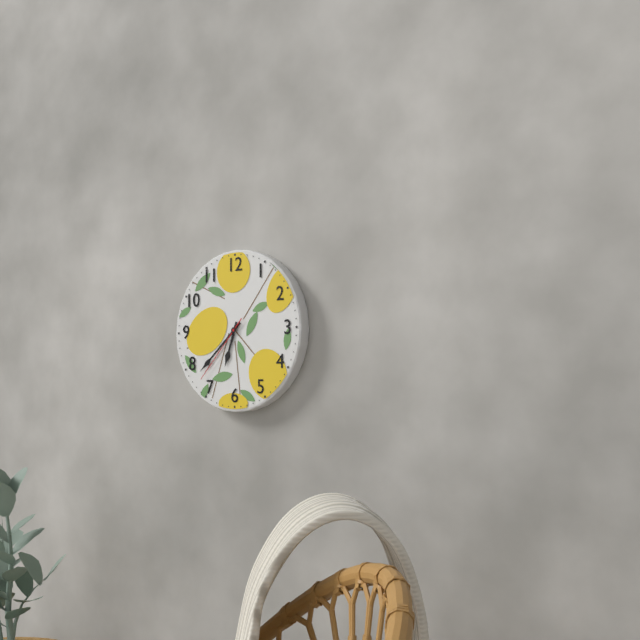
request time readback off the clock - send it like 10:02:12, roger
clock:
6:38:37
